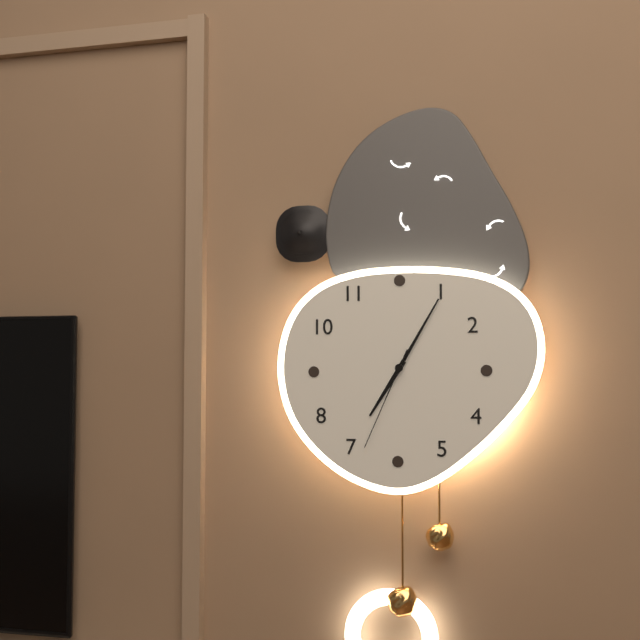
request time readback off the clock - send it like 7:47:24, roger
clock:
7:05:34
